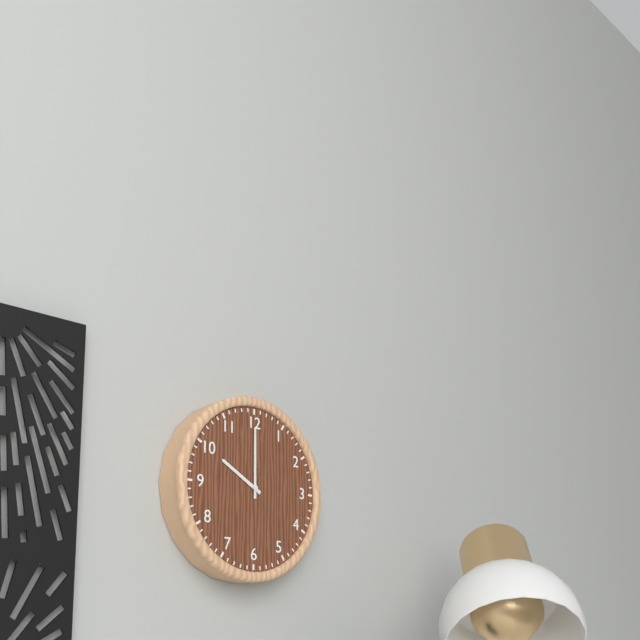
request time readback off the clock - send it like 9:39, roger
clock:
10:00
